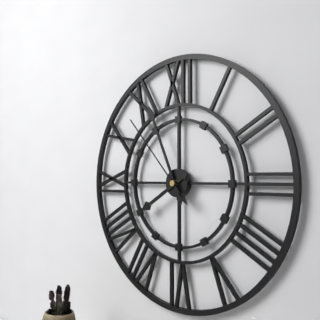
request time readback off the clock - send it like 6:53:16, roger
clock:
7:56:53
